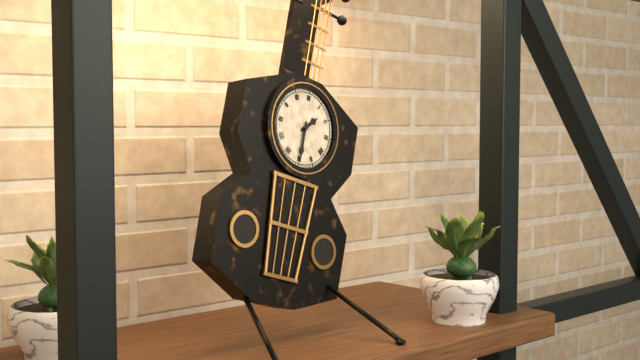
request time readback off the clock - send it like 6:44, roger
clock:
1:30
